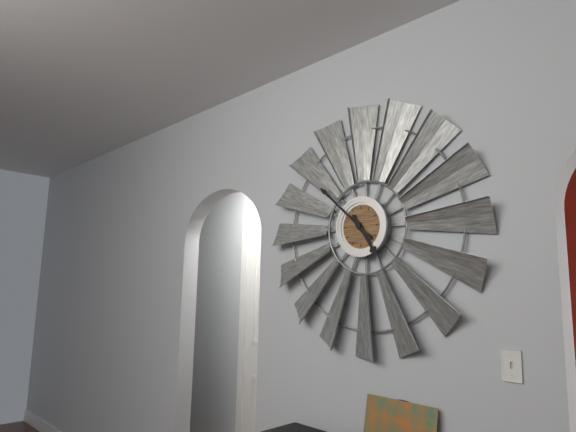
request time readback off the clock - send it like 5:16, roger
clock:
4:52
